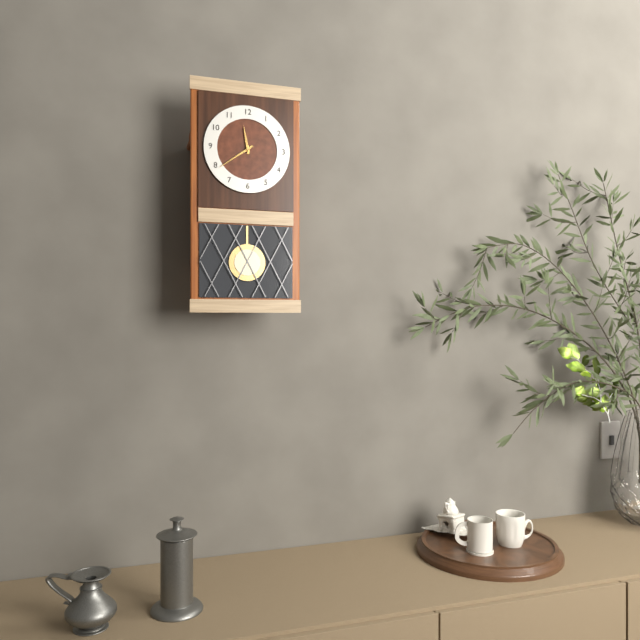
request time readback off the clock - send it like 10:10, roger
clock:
11:39
